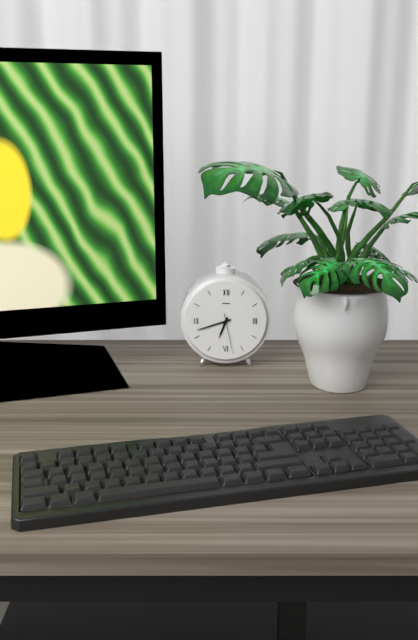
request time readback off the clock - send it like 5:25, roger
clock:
6:42
